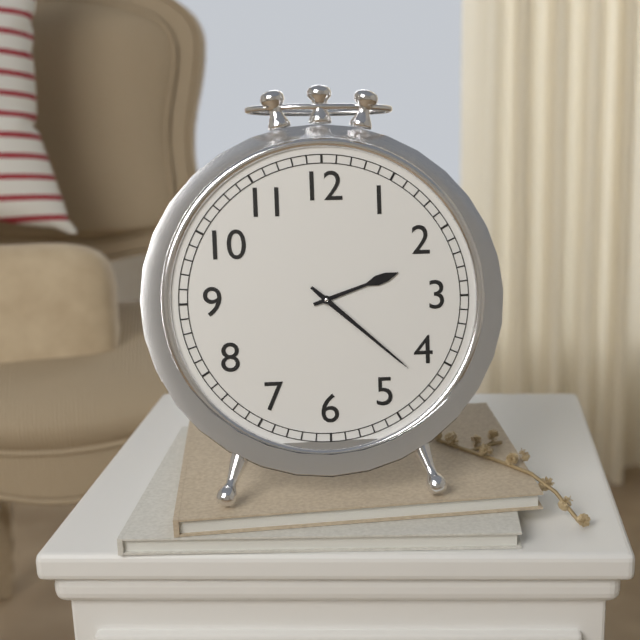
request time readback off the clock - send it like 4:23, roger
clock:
2:22
